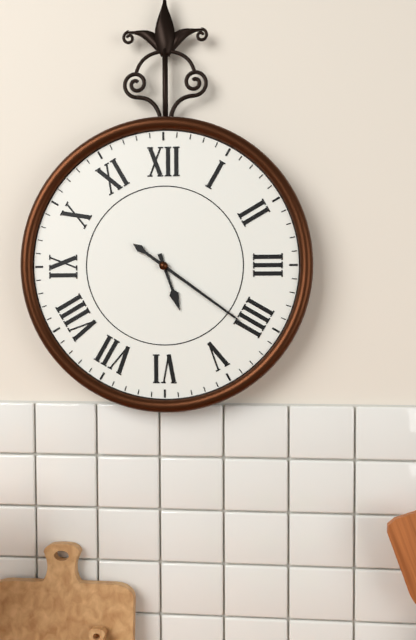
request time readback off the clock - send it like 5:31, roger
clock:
5:21
